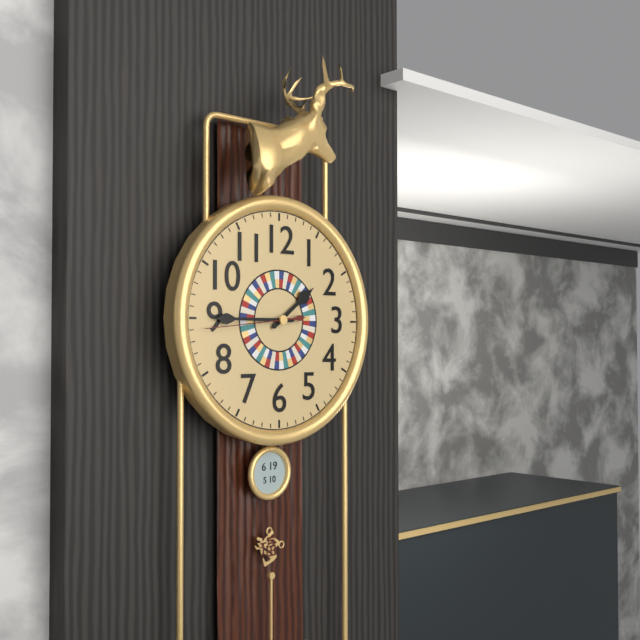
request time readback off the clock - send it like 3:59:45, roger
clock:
1:45:44
